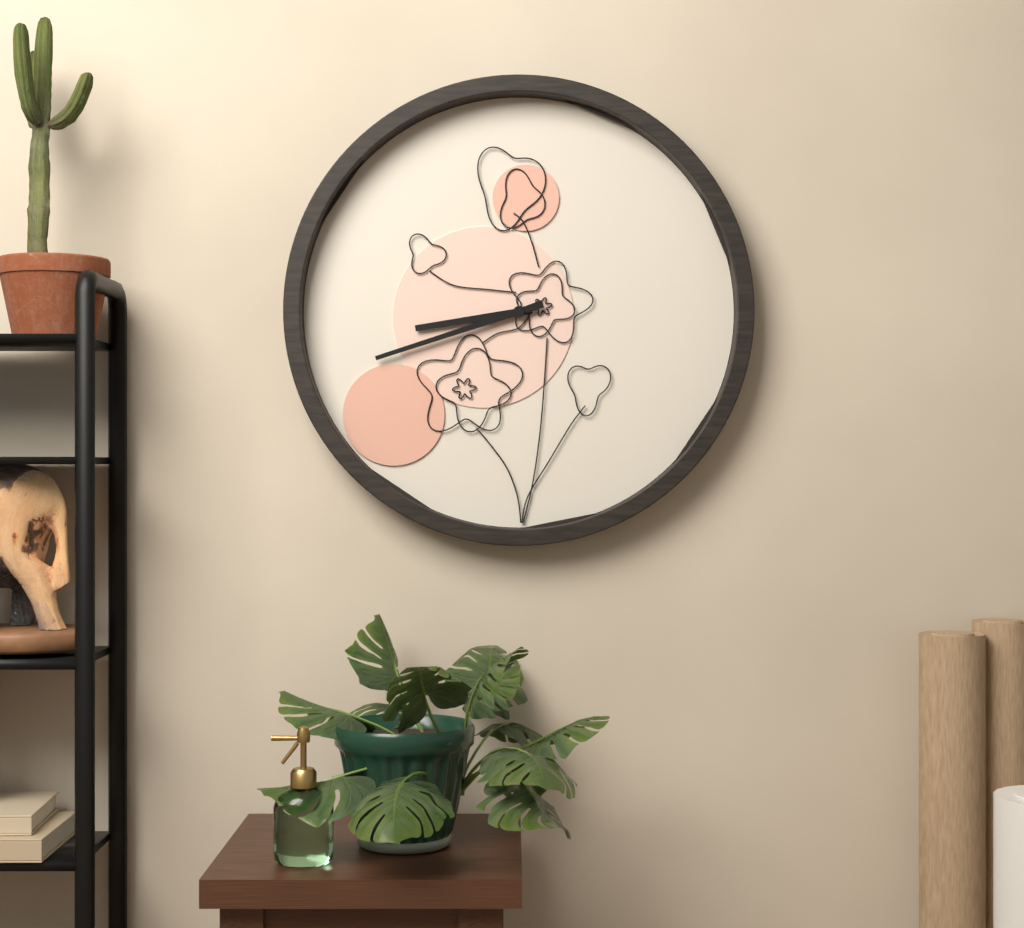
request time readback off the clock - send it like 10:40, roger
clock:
8:42
